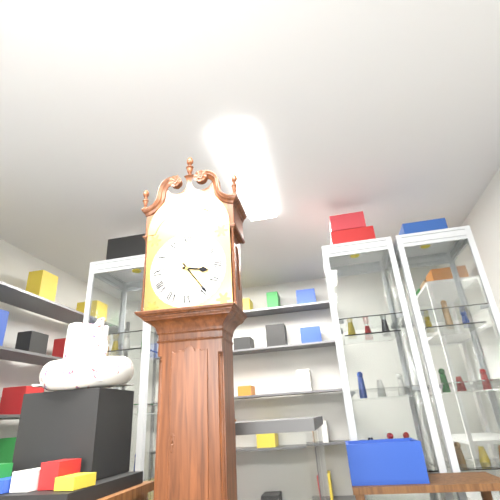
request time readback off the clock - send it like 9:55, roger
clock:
3:24
